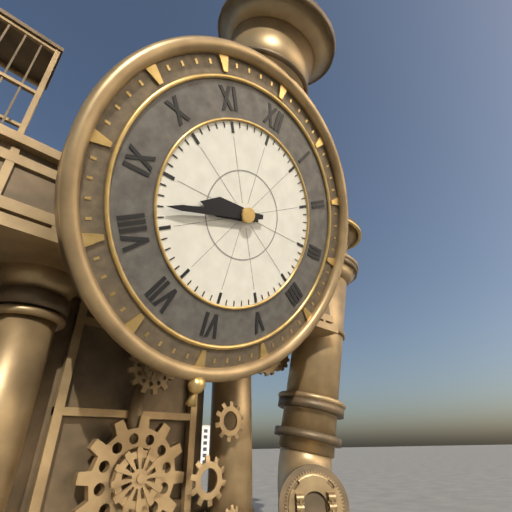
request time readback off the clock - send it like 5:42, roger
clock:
8:42
